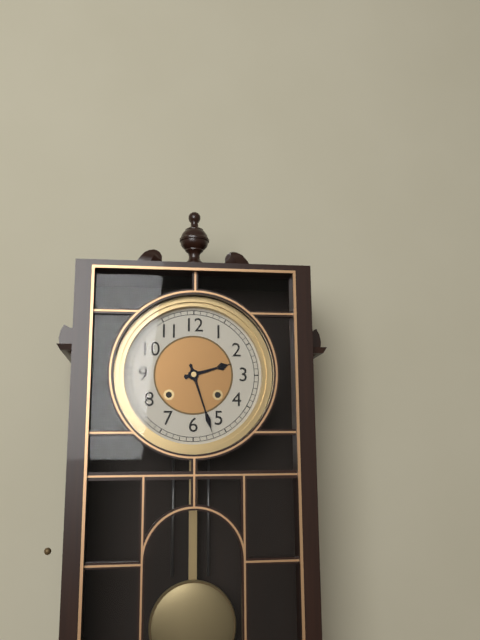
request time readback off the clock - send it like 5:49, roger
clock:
2:27
